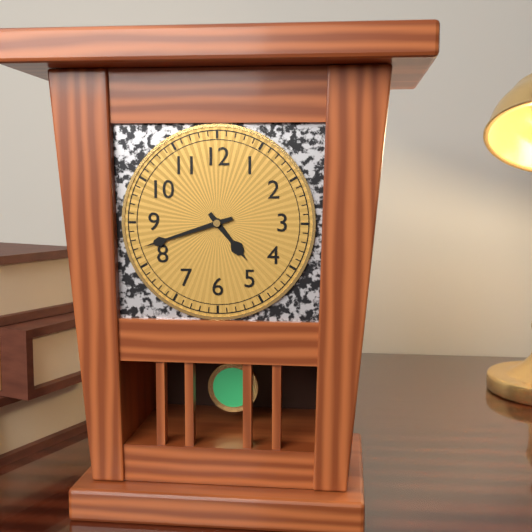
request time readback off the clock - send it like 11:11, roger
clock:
4:42
